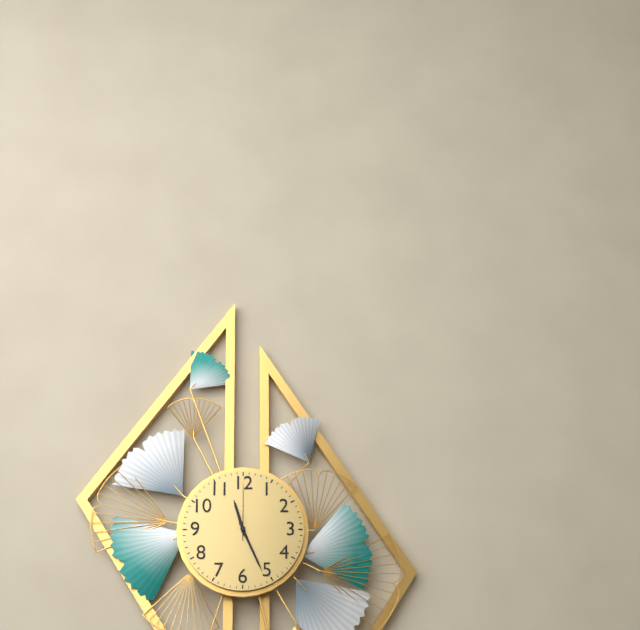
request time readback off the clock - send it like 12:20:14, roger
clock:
11:26:00
